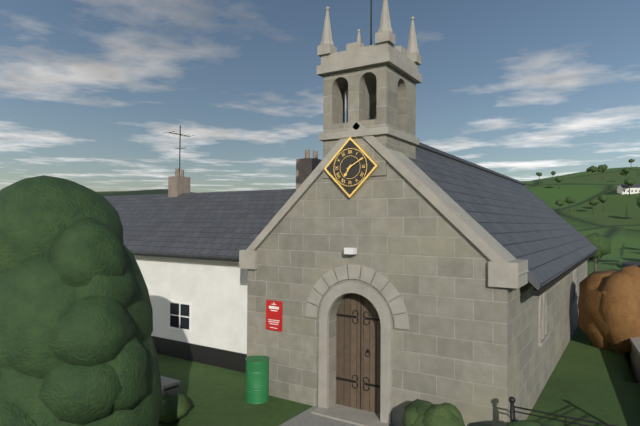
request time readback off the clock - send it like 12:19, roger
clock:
7:10
